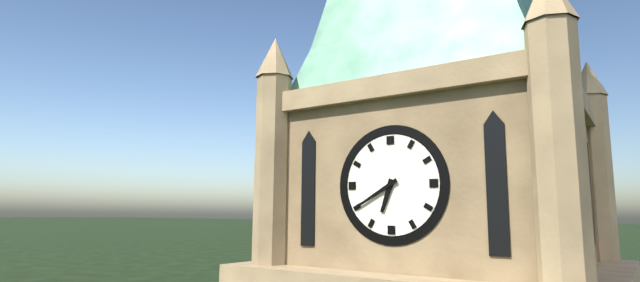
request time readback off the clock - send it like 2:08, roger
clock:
6:40
